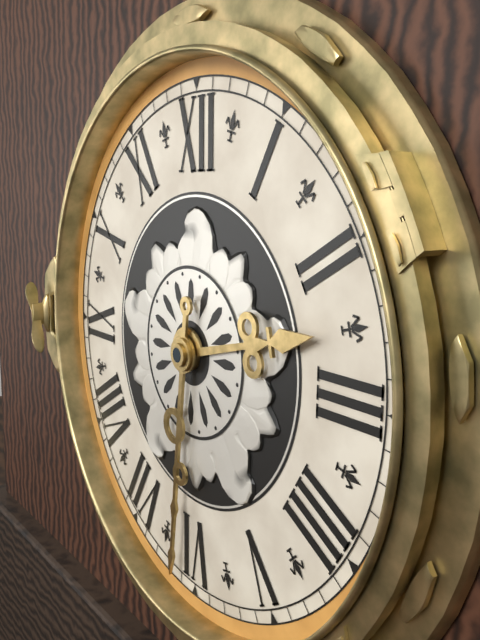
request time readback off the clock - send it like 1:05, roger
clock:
2:31
